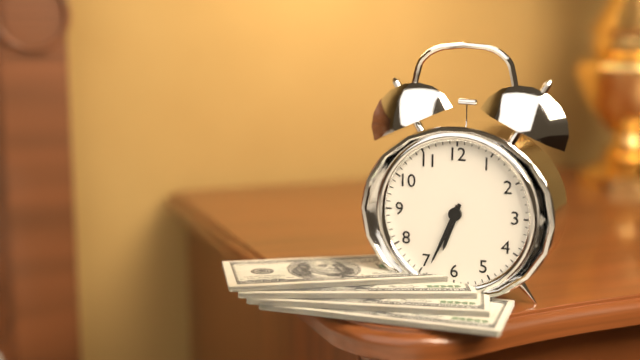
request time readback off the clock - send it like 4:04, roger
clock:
6:34
